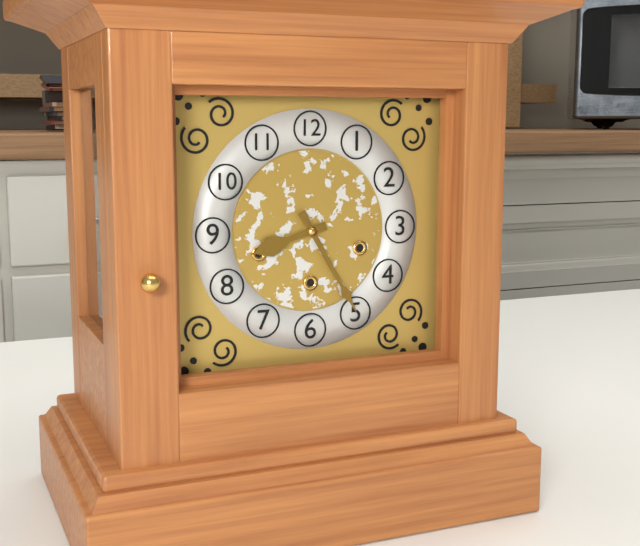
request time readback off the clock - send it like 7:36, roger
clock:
8:25
